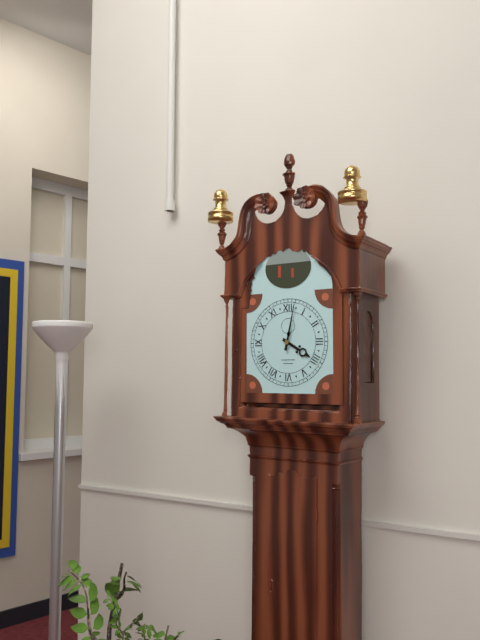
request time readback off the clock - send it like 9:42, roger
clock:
4:02
